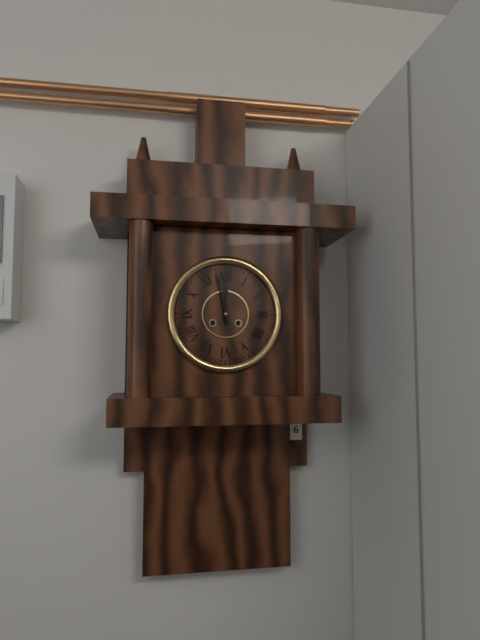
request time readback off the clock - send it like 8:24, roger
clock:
11:58
